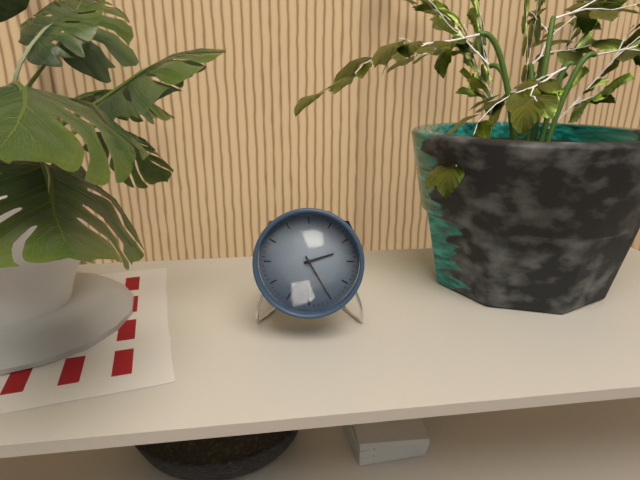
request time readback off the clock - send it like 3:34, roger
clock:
2:25
